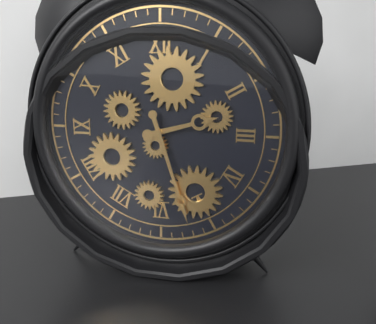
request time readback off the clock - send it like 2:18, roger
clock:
2:27
